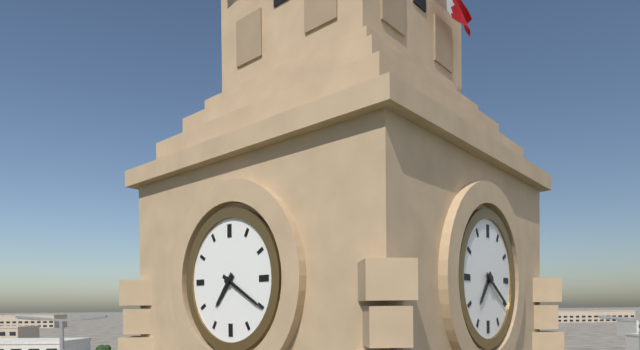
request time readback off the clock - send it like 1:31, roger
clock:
7:20
